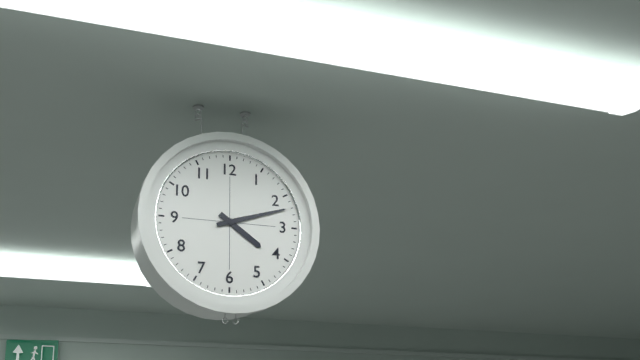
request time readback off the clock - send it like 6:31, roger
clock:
4:12
